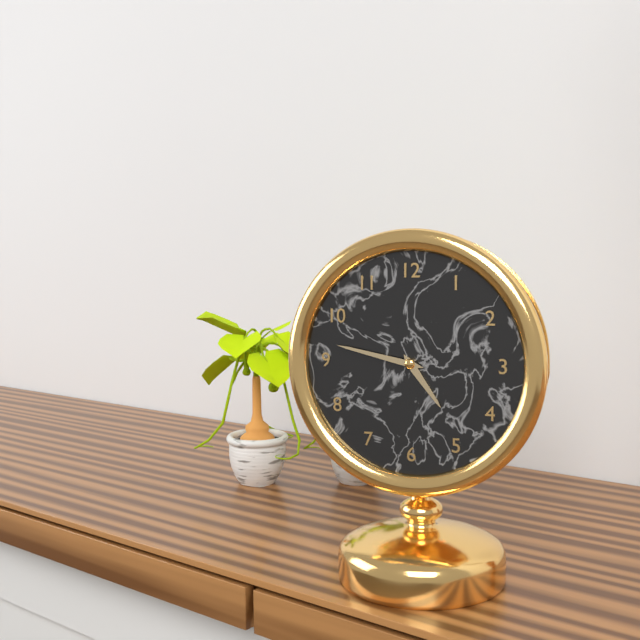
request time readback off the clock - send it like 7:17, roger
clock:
4:47
